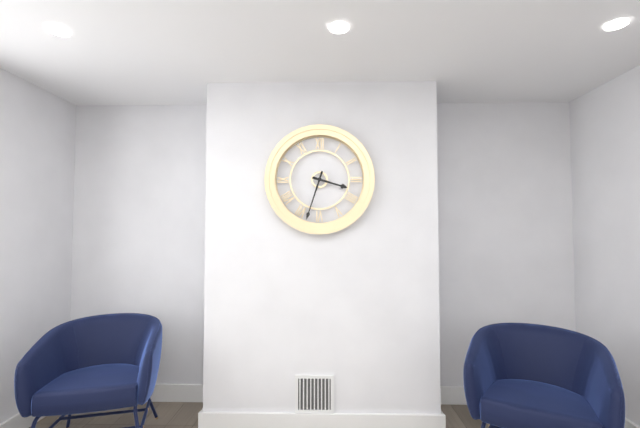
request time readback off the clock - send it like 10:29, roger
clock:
3:33
